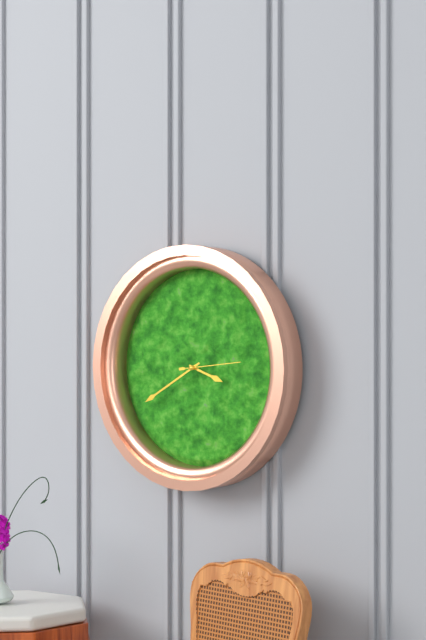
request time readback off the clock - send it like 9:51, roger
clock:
3:40
